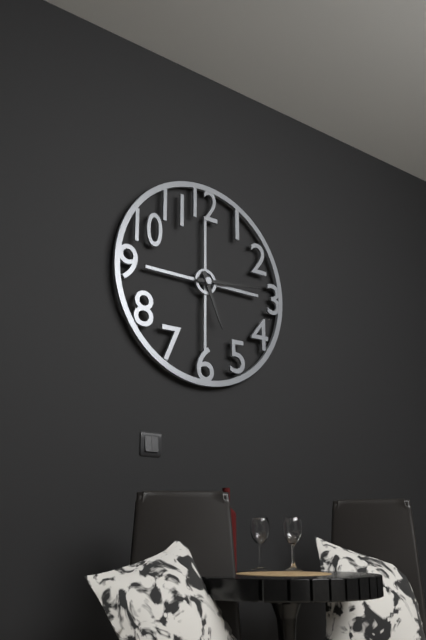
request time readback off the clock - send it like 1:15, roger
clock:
5:14
